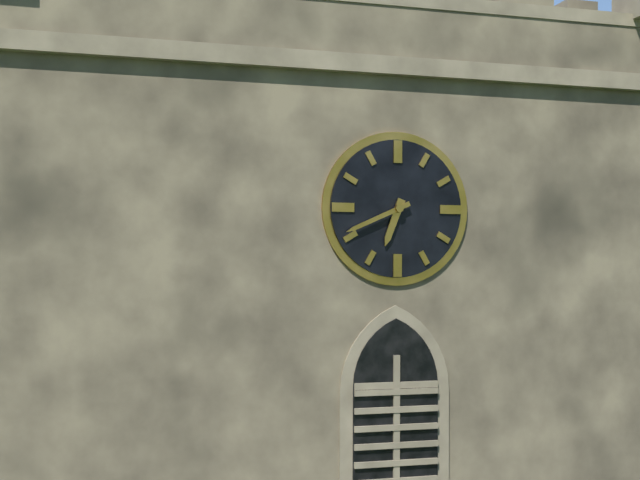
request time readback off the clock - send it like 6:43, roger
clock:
6:41
